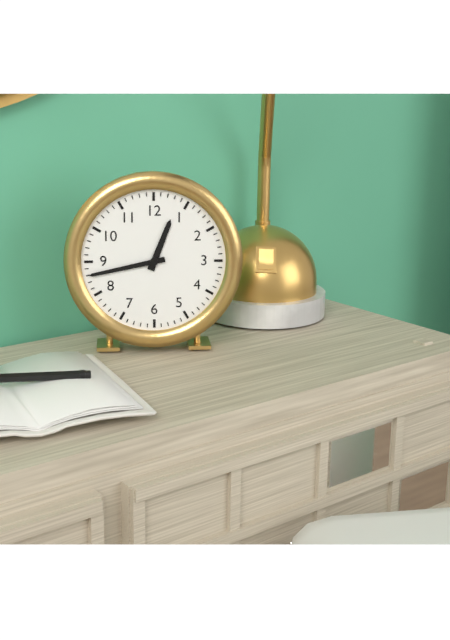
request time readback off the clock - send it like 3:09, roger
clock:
12:43
